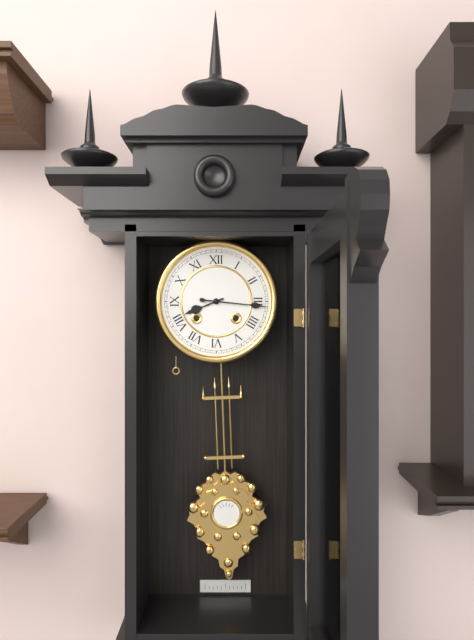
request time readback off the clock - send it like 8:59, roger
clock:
8:16
